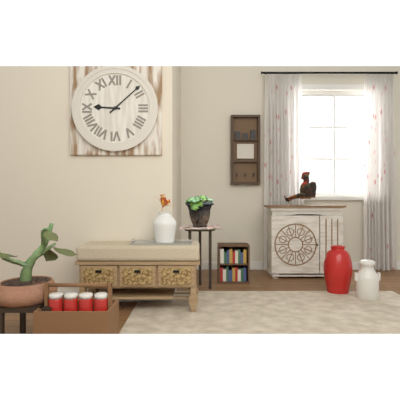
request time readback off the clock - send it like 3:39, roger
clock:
9:08
